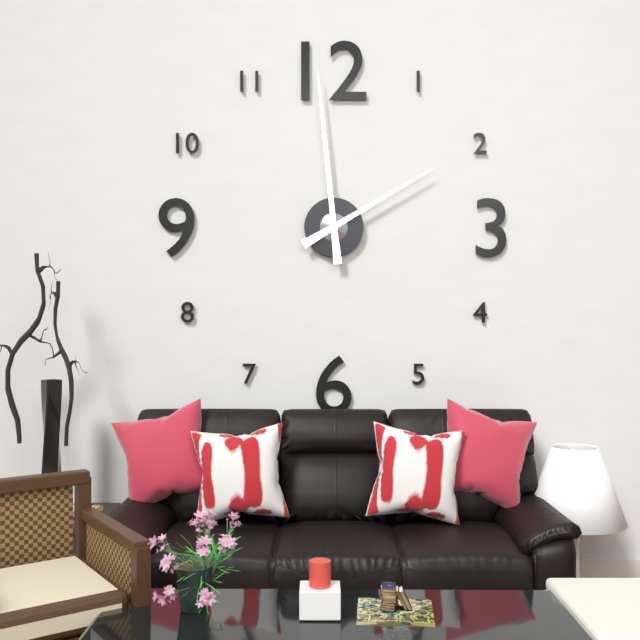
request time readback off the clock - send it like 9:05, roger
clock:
1:59
